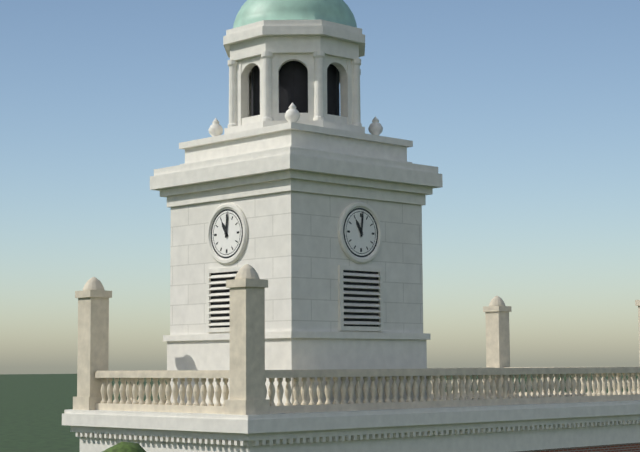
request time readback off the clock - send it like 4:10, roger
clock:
11:01
